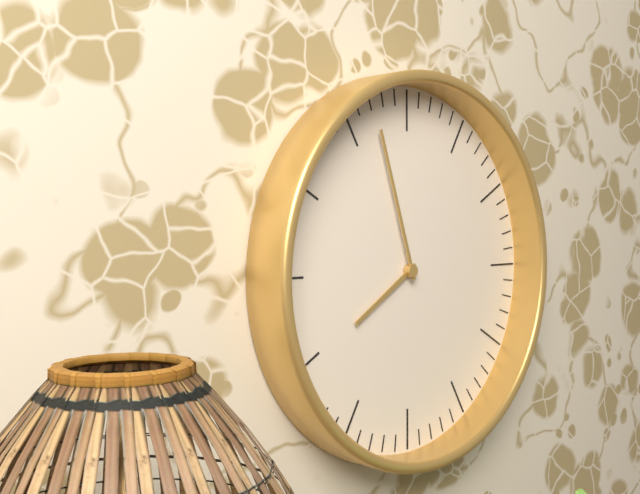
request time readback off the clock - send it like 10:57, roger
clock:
7:57
